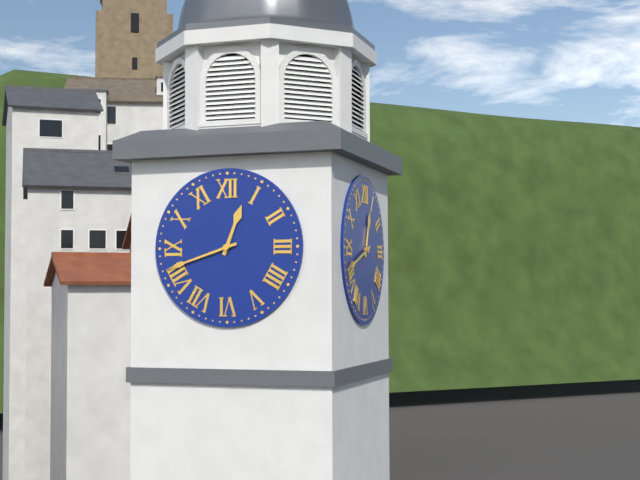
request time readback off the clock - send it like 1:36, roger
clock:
12:42
